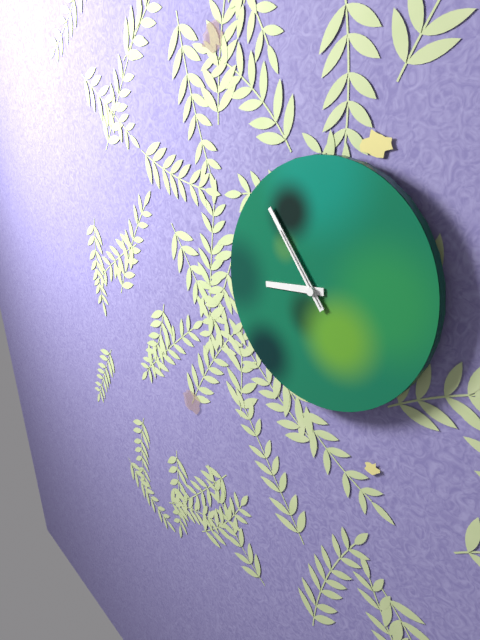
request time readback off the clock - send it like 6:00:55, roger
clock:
8:54:54
